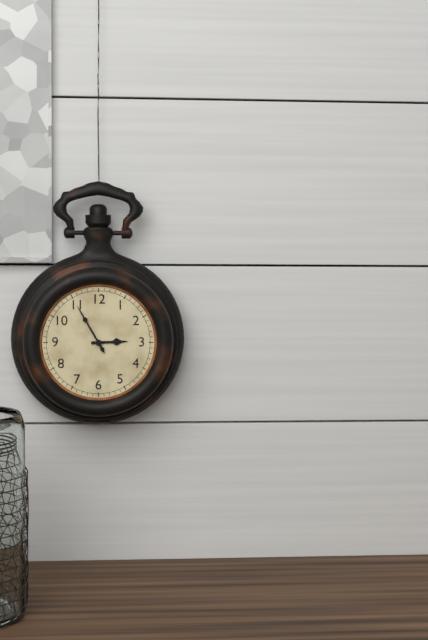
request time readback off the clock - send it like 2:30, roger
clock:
2:55
